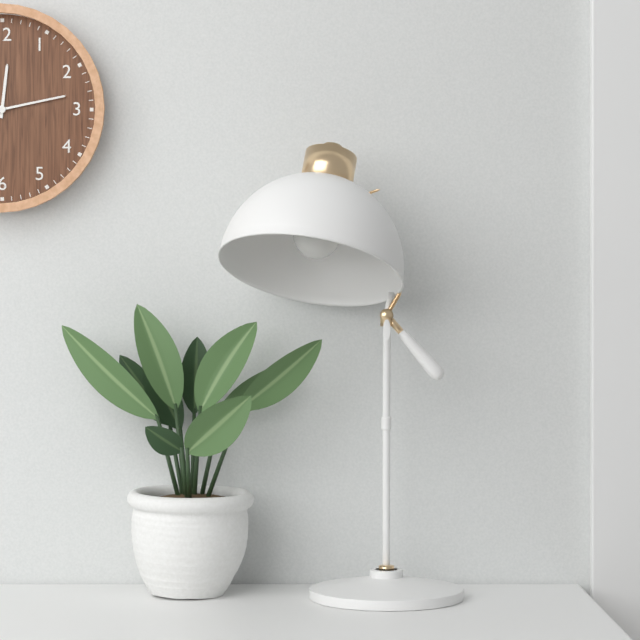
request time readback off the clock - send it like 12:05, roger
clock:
12:13
